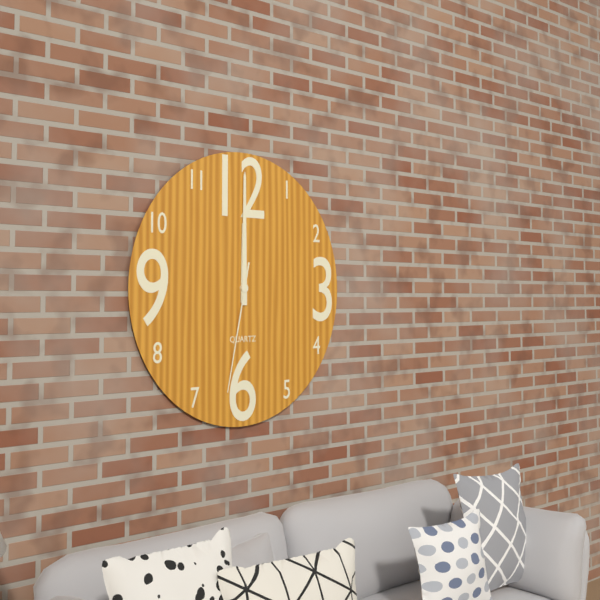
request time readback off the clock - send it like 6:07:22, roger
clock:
12:00:32
